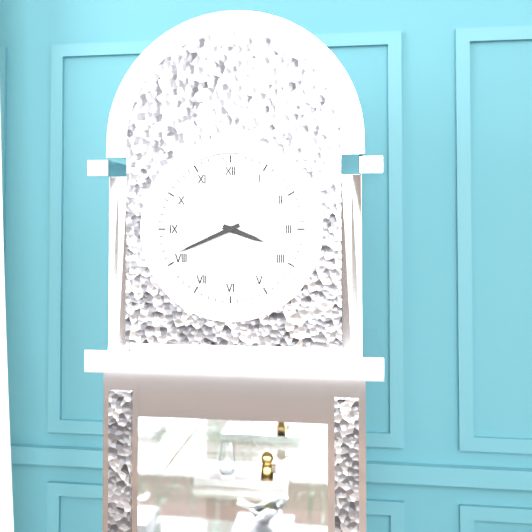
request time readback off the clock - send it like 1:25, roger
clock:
3:41
